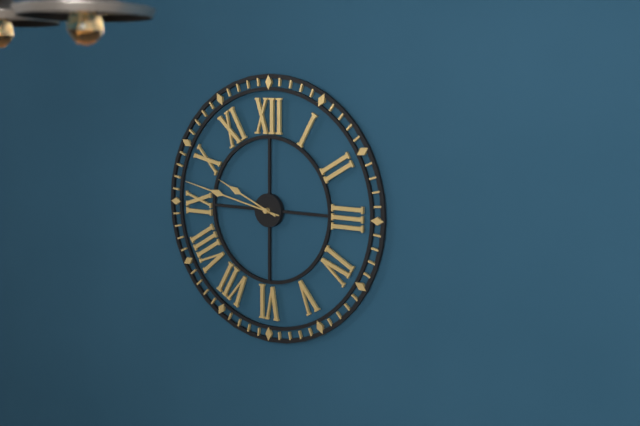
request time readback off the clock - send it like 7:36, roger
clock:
9:47
